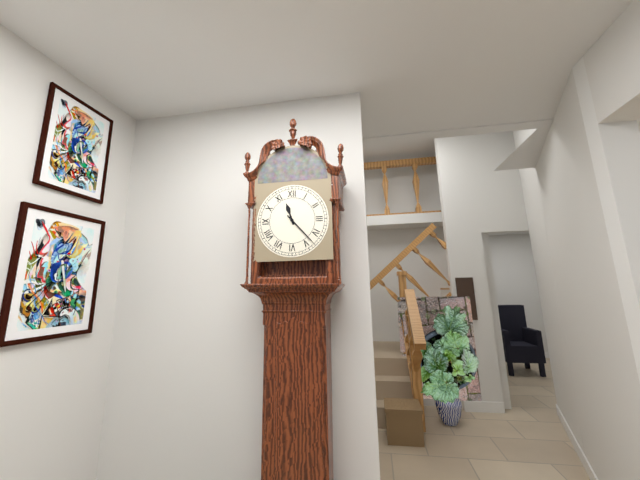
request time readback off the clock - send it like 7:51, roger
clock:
11:23
